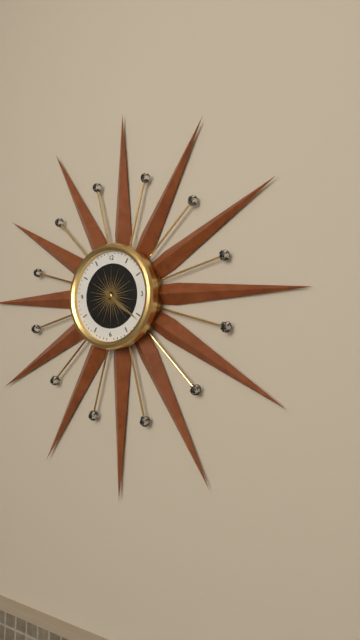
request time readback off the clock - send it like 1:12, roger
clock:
4:21
